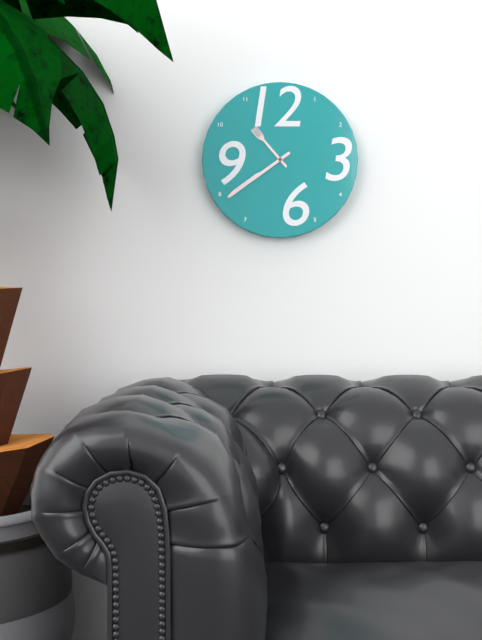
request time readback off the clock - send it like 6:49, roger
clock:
10:39
